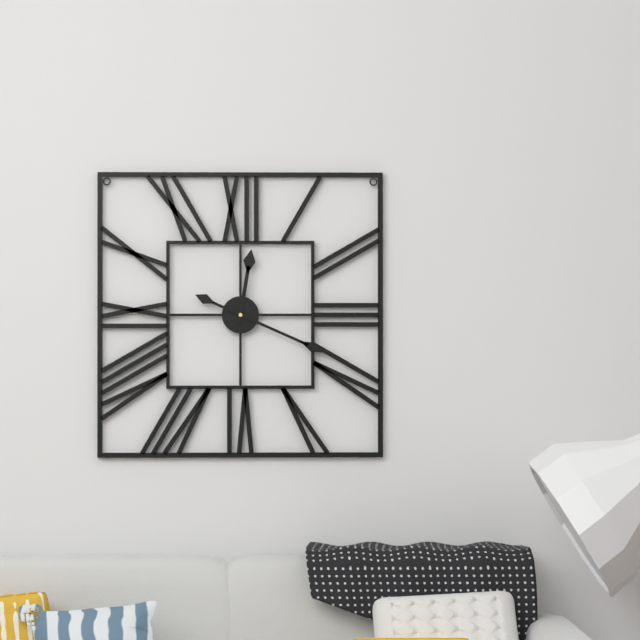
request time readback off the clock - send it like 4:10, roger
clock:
12:19
